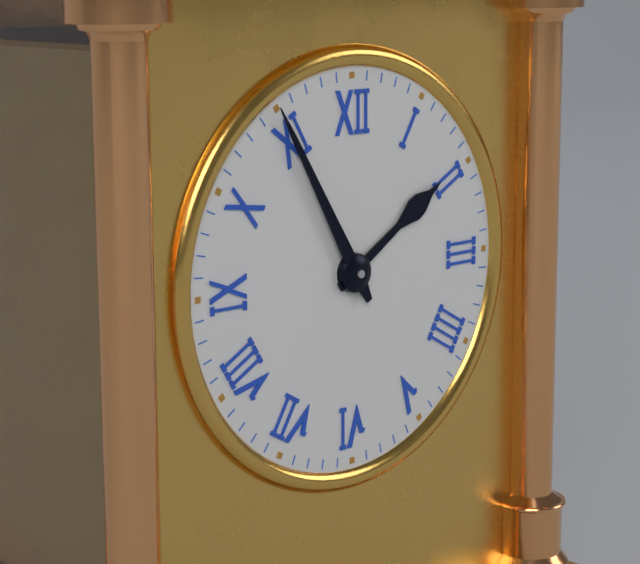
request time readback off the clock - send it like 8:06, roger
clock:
1:55
